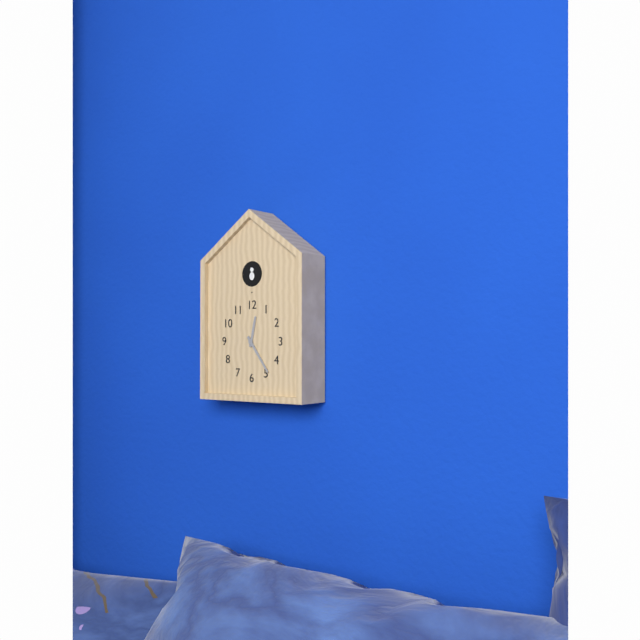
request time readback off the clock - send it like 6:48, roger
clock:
12:24
